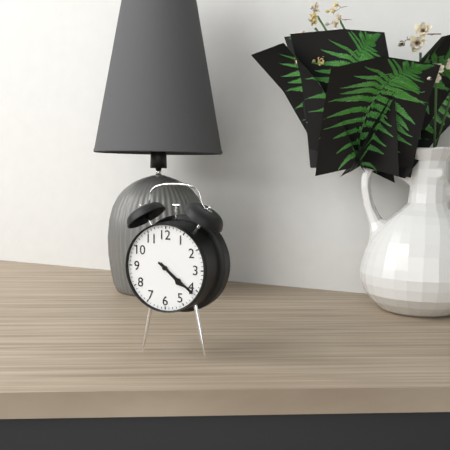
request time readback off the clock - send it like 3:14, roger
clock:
4:21
